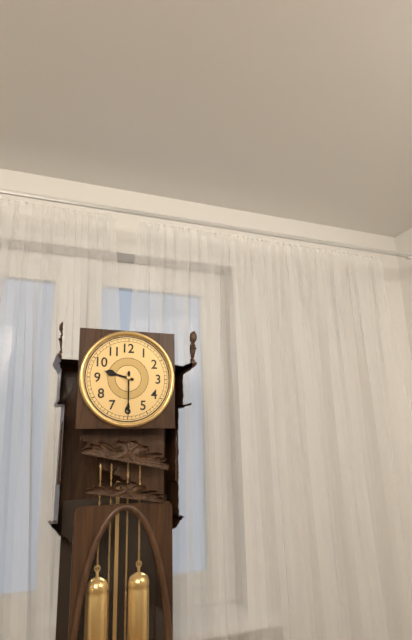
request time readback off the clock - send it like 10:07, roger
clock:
9:30
